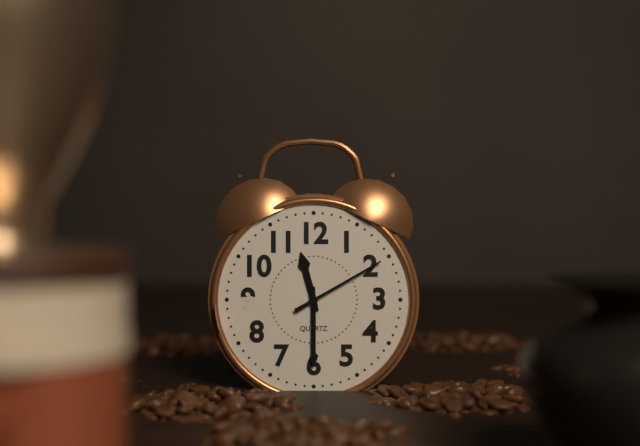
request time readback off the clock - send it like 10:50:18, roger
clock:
11:30:10
